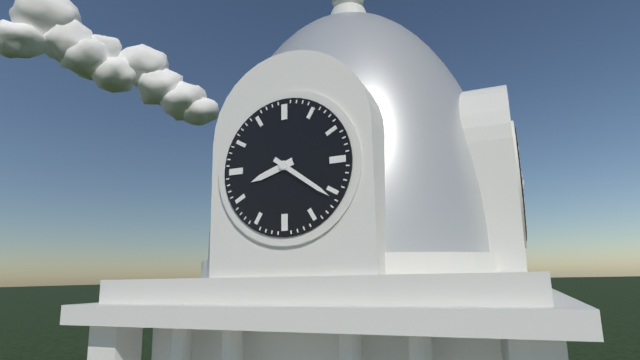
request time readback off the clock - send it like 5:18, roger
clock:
8:21
